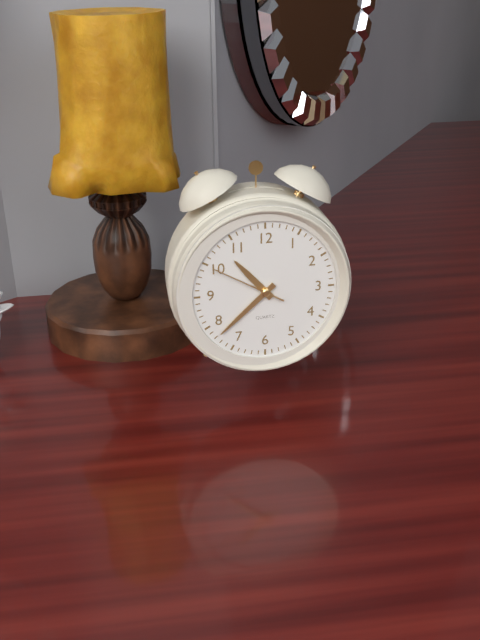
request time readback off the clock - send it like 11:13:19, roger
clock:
10:38:50
